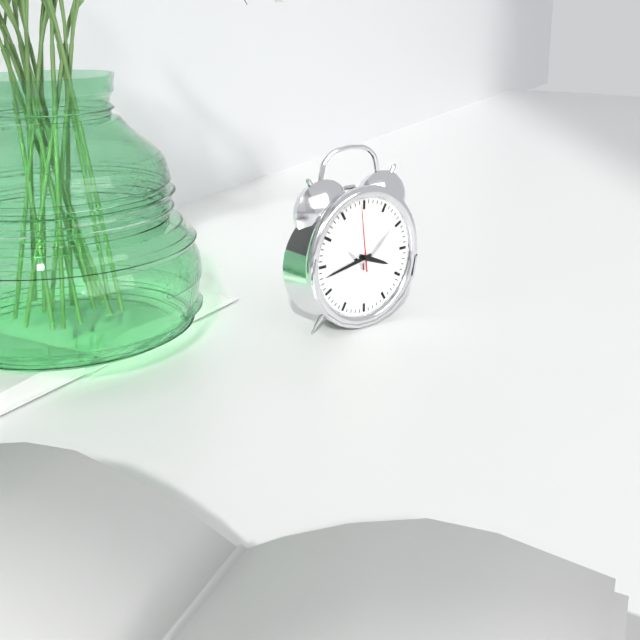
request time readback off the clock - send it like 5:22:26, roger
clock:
3:43:59
